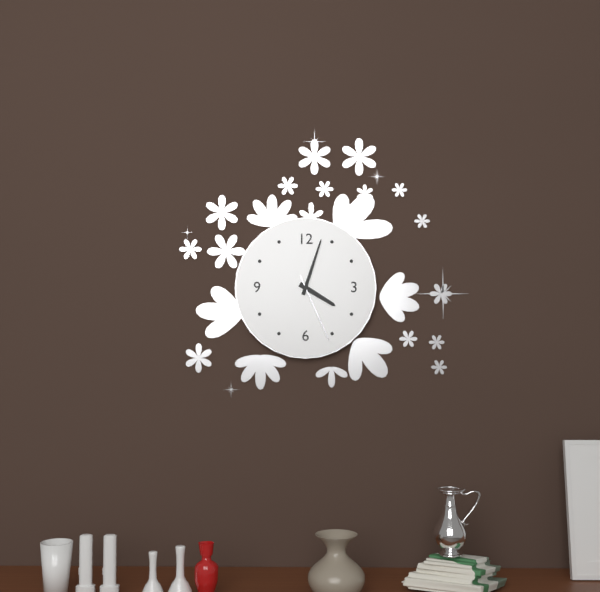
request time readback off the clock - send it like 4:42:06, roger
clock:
4:03:26
